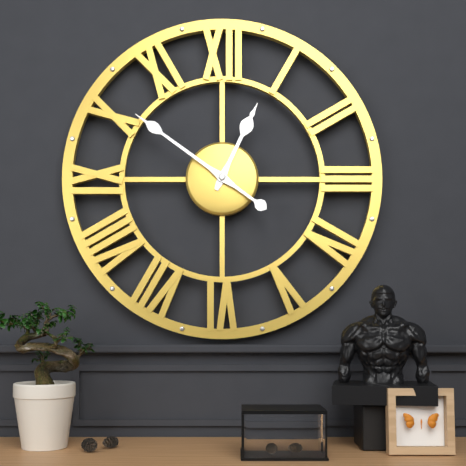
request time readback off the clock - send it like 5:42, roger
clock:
12:51
